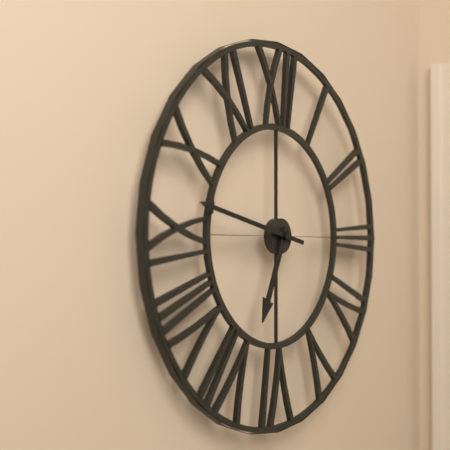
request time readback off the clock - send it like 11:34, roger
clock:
6:47
